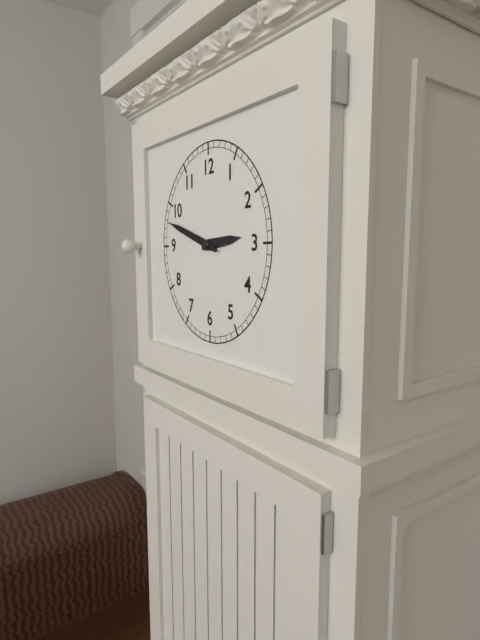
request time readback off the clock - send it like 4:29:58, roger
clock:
2:48:48
